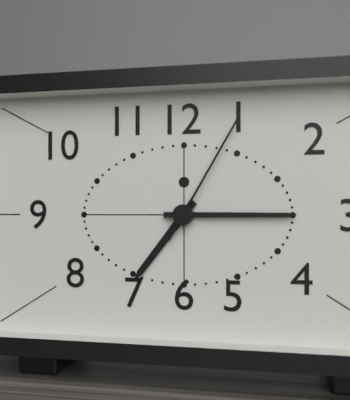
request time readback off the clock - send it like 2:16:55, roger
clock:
7:15:05
